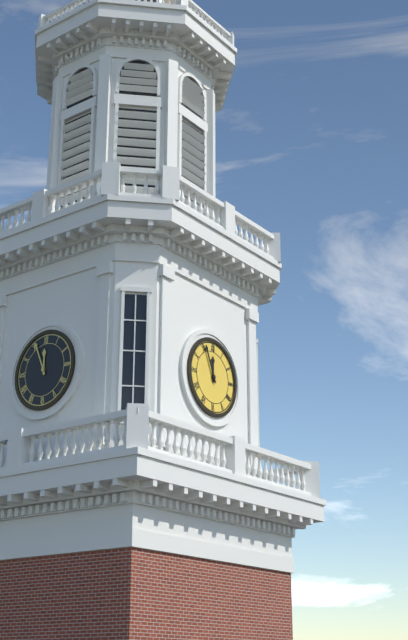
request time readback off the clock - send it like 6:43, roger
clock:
11:56
